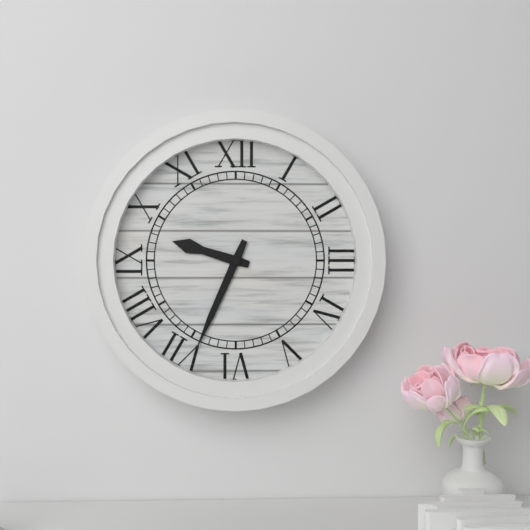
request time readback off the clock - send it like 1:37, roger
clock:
9:34
